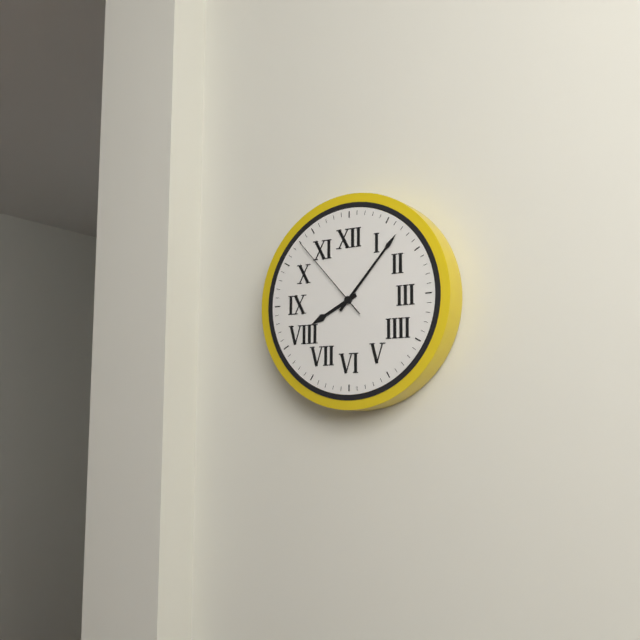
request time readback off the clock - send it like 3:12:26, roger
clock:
8:07:53
